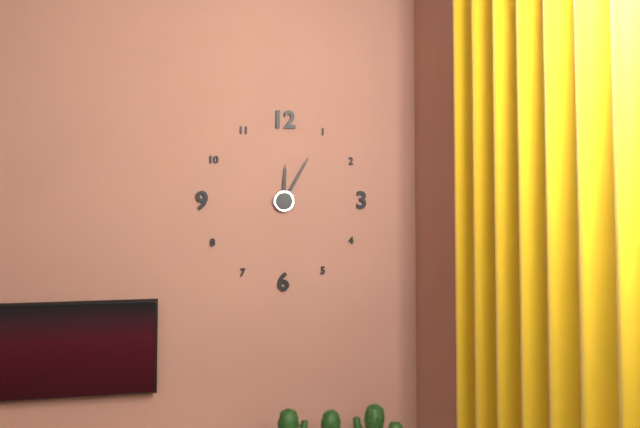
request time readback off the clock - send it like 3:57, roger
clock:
12:05
